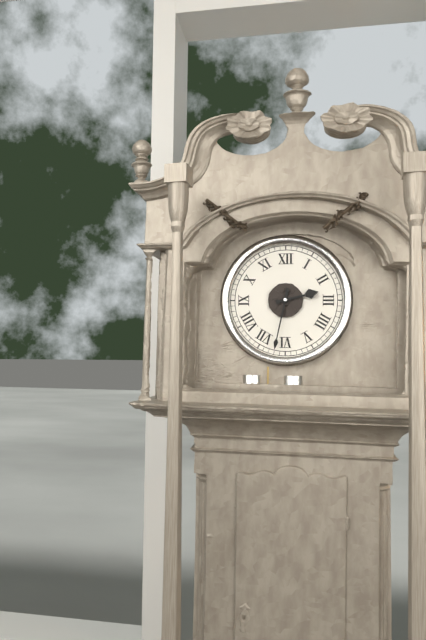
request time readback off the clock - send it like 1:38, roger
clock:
2:32
